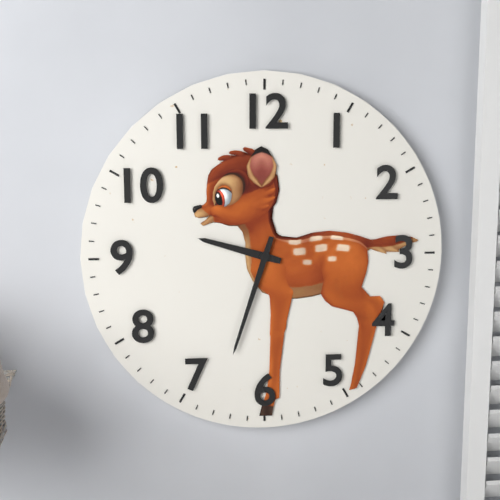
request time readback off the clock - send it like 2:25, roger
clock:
9:33
